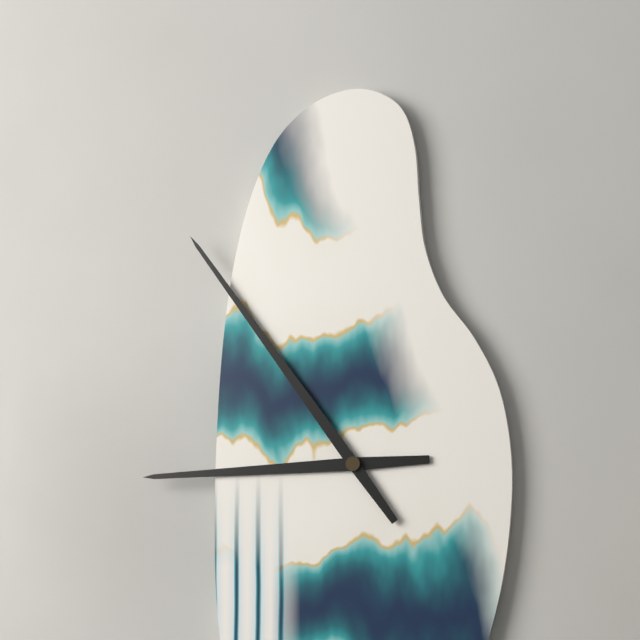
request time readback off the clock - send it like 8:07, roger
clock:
8:54
